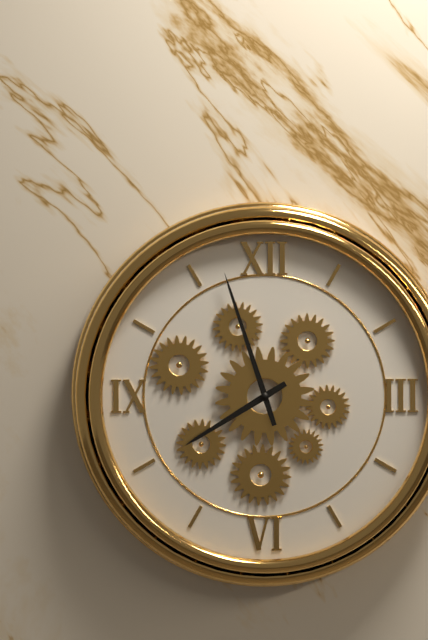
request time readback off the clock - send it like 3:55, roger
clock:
7:57
